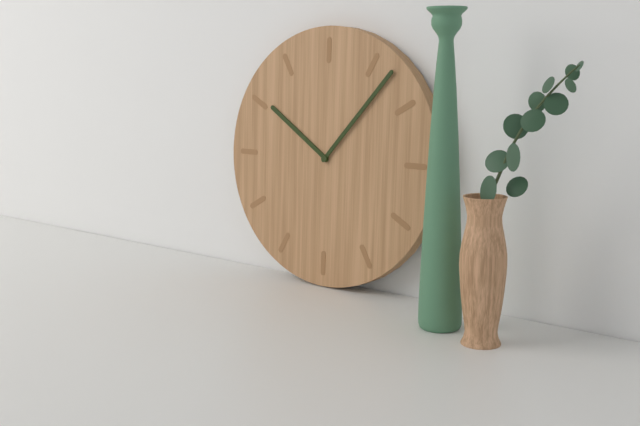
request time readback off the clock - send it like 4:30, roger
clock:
10:07
